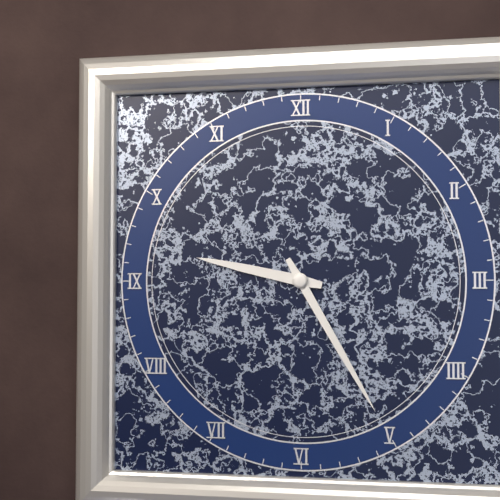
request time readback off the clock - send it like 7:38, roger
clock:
9:25
